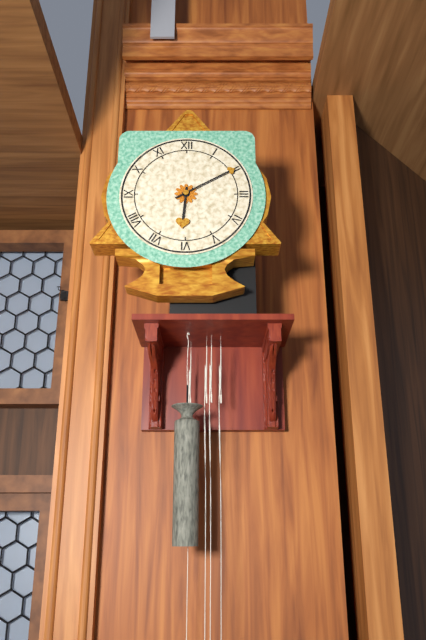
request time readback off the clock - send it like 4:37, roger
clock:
6:10
